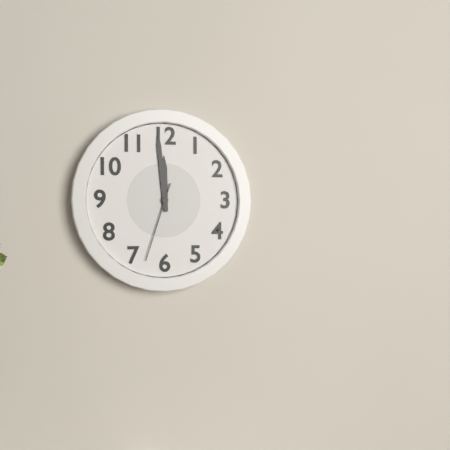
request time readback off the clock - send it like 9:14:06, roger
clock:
11:59:33
